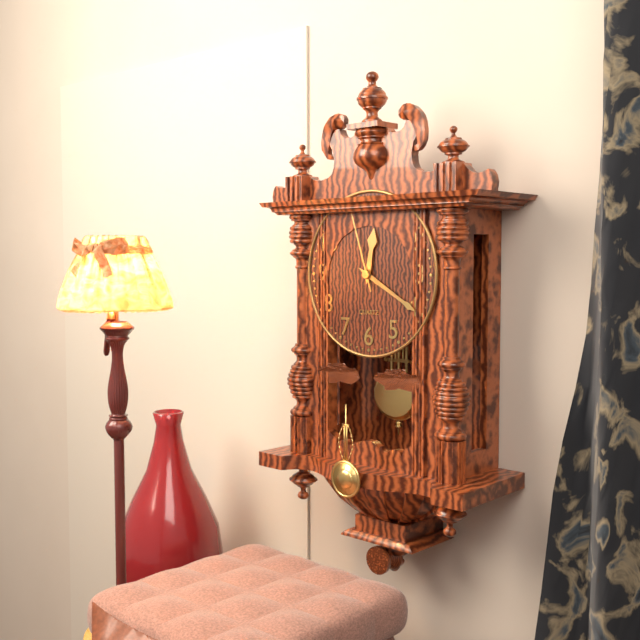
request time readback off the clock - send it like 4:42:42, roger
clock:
12:20:57
